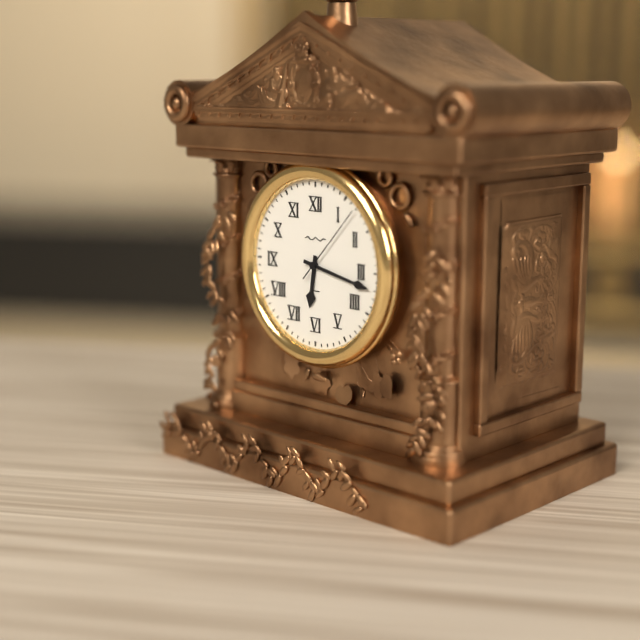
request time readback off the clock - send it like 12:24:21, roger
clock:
6:17:07
